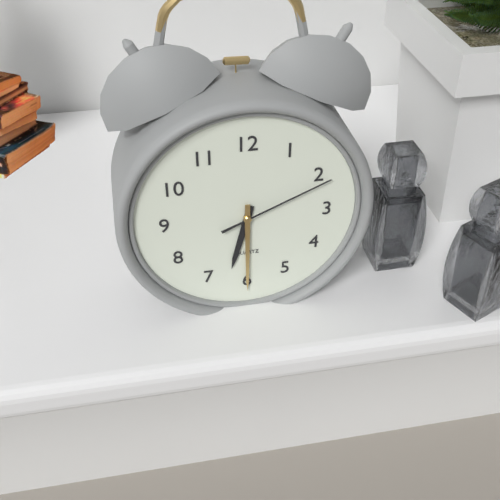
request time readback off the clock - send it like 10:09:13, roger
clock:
6:30:11
